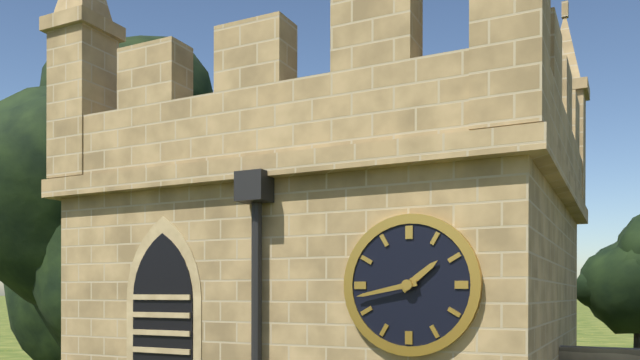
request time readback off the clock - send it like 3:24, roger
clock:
1:43
